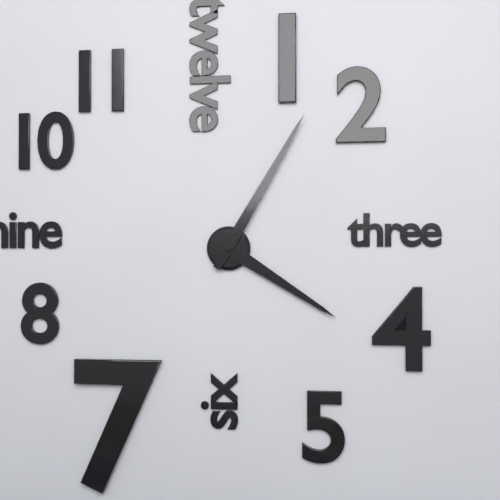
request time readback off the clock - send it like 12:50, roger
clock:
4:05
